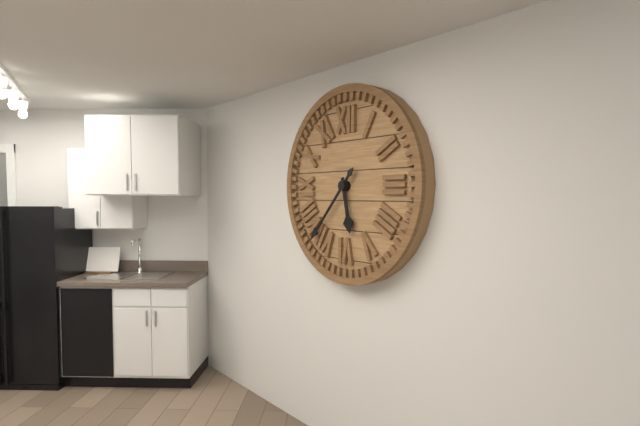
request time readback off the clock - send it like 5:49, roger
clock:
5:37
